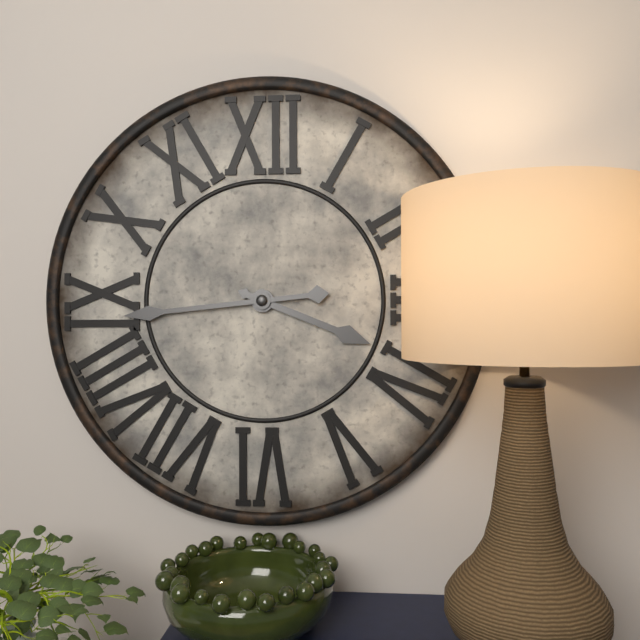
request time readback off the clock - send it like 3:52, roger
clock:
3:44
